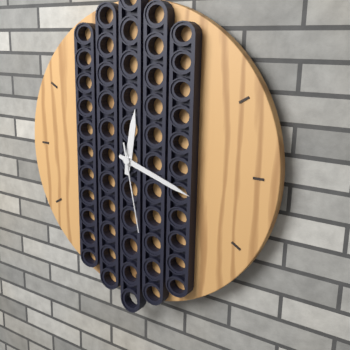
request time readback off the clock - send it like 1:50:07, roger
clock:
12:18:28
